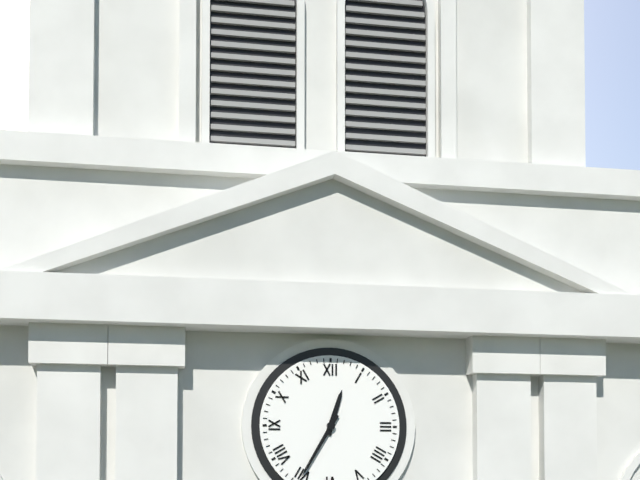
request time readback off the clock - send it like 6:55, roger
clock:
12:35
